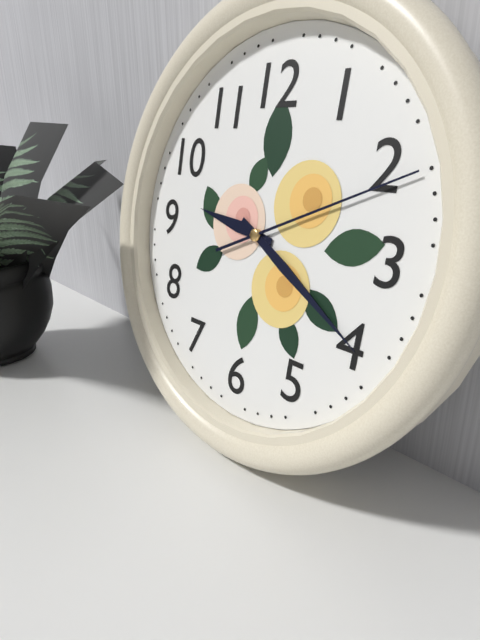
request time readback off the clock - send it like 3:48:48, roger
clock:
9:20:11
